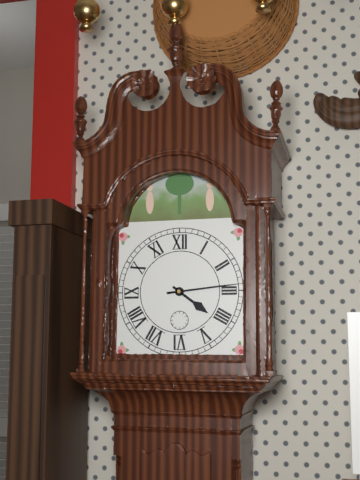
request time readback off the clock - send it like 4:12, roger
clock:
4:14
